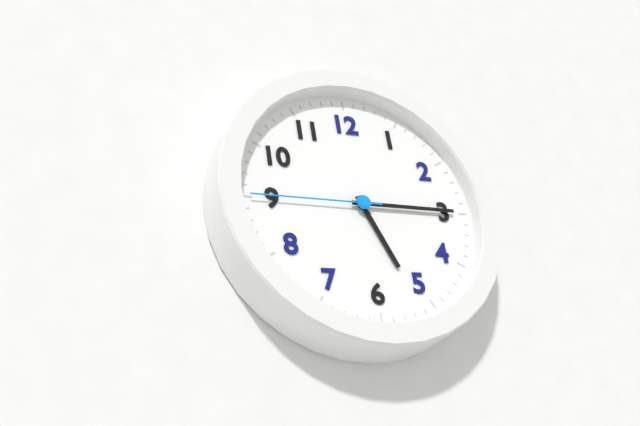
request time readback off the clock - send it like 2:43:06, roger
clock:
5:15:45
